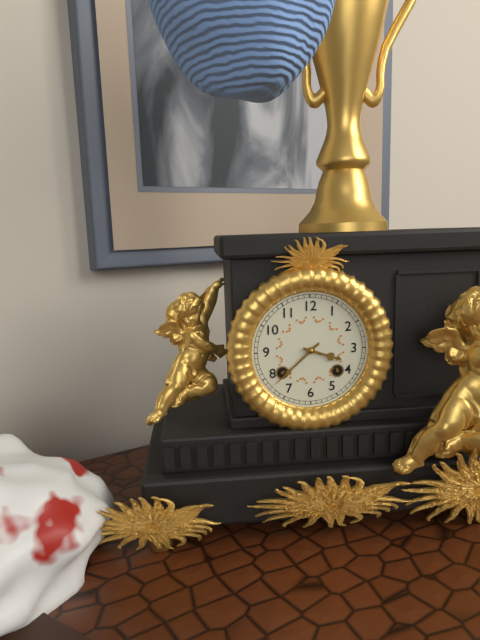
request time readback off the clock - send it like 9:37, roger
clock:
3:38
